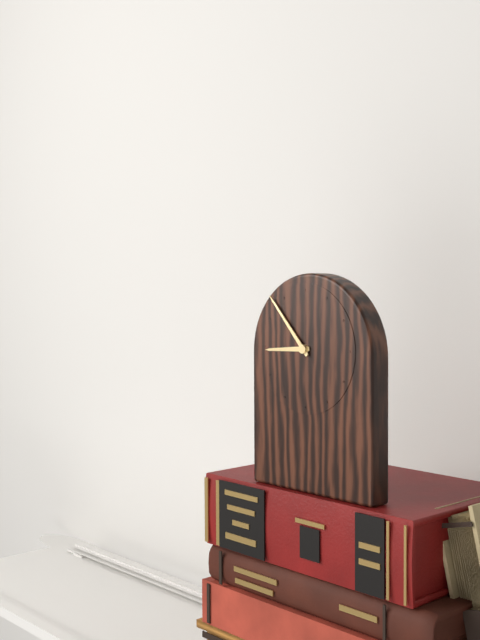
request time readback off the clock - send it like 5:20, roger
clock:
8:53
